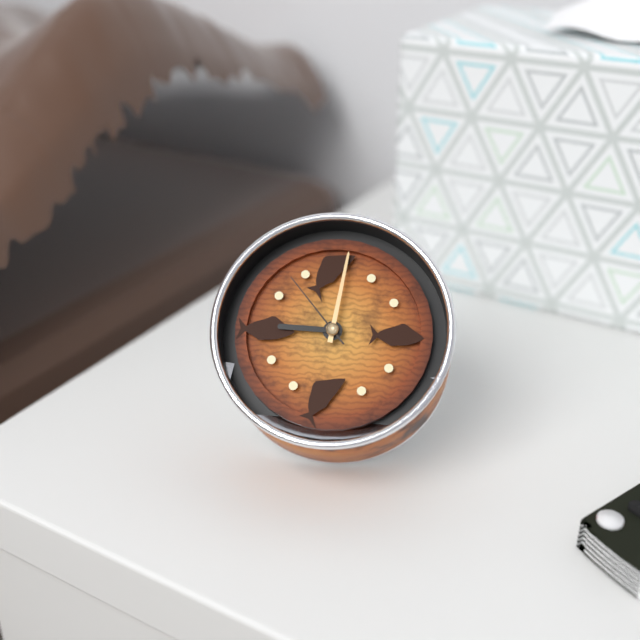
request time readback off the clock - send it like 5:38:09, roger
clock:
9:01:53
